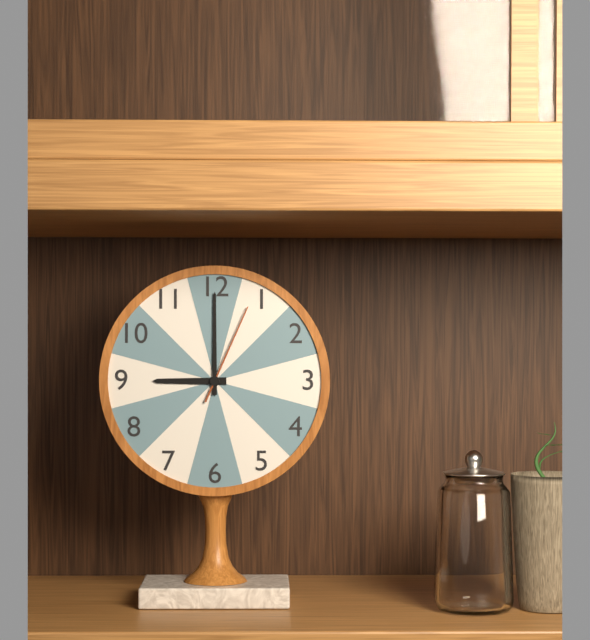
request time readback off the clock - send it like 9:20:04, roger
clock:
9:00:04
